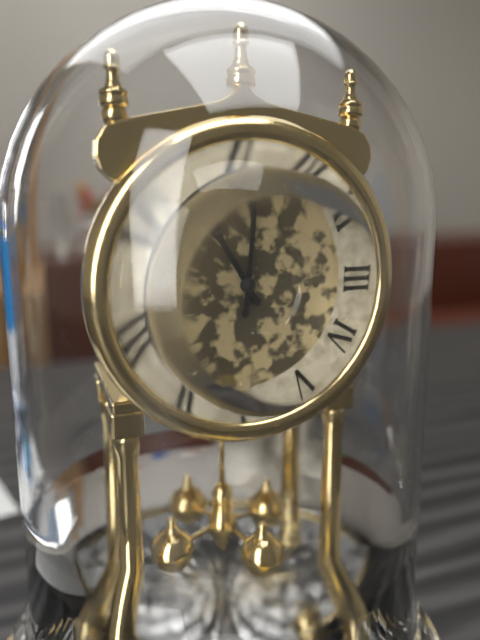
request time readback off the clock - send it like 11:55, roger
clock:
11:01
